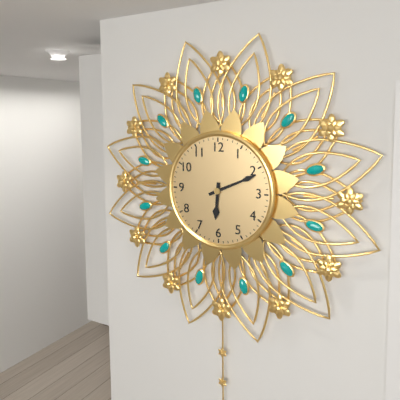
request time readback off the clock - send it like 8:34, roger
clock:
6:11
